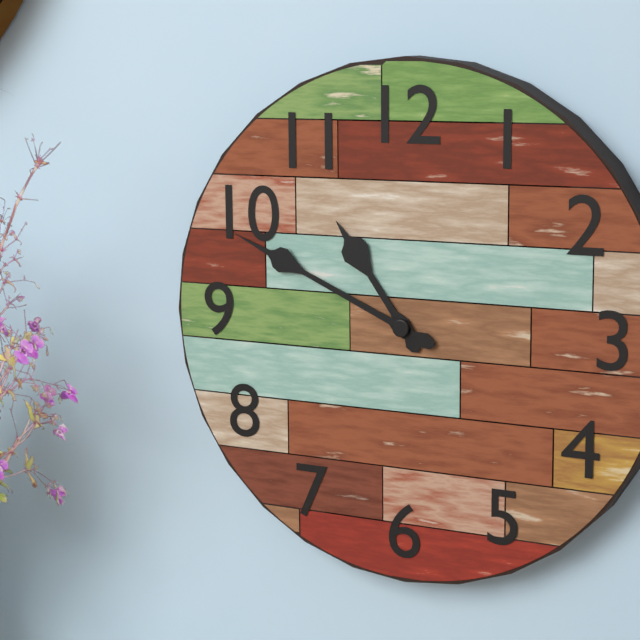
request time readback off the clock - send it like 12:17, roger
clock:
10:49
